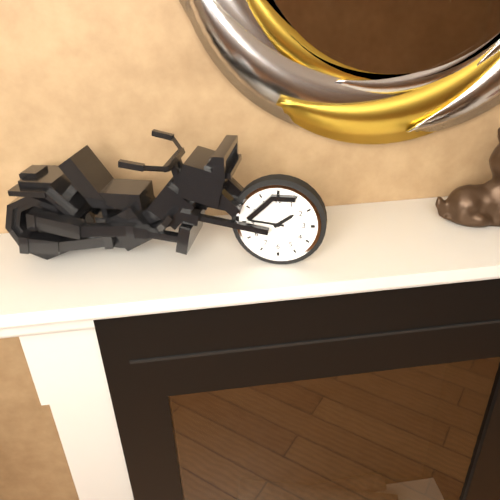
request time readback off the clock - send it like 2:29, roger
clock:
1:46
